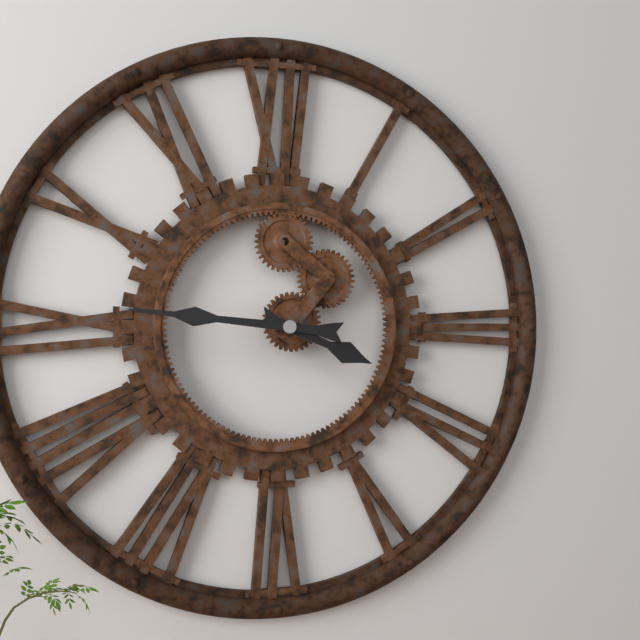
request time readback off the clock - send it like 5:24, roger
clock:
3:46
